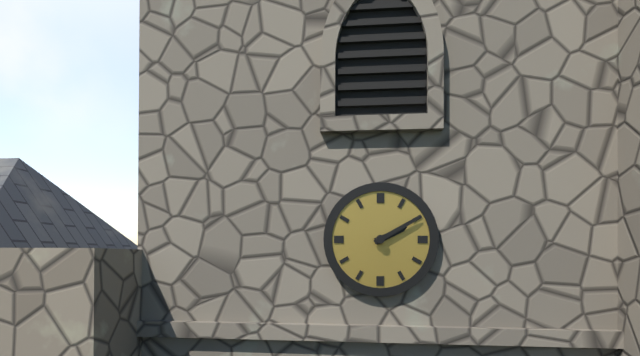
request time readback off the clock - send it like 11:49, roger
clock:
2:10
